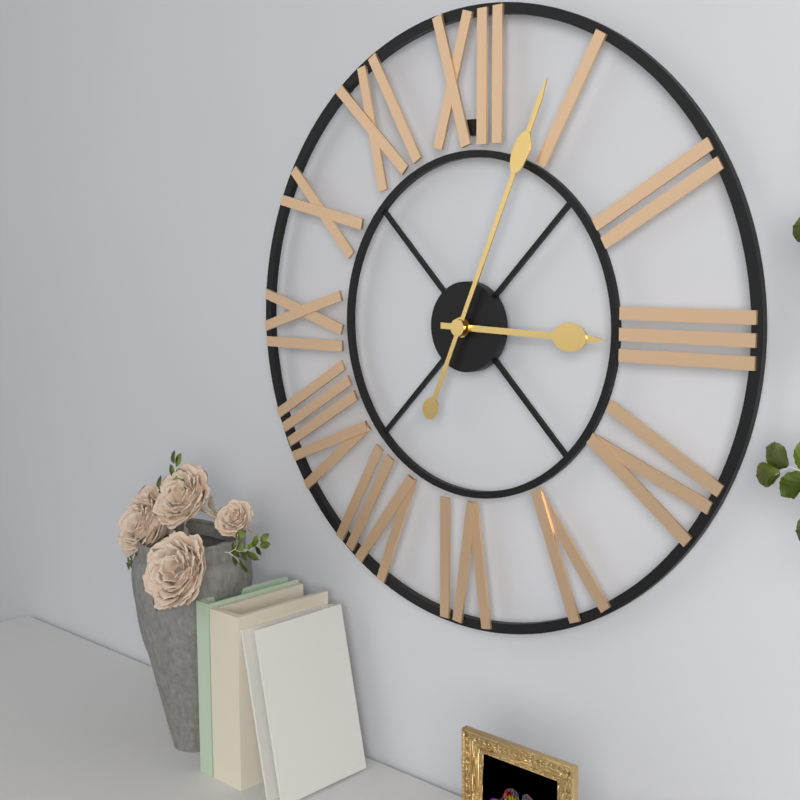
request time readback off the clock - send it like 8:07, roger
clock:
3:04
